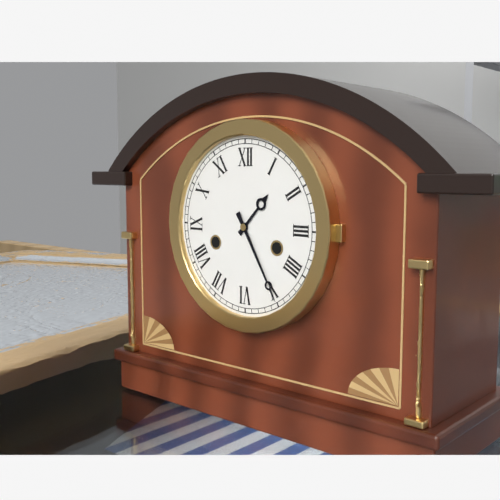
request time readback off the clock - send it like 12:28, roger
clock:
1:25
